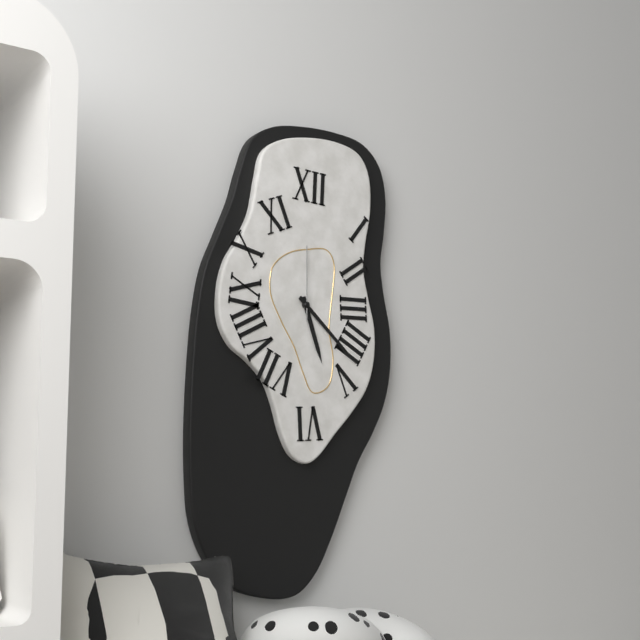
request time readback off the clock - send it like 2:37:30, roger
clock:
5:22:00
